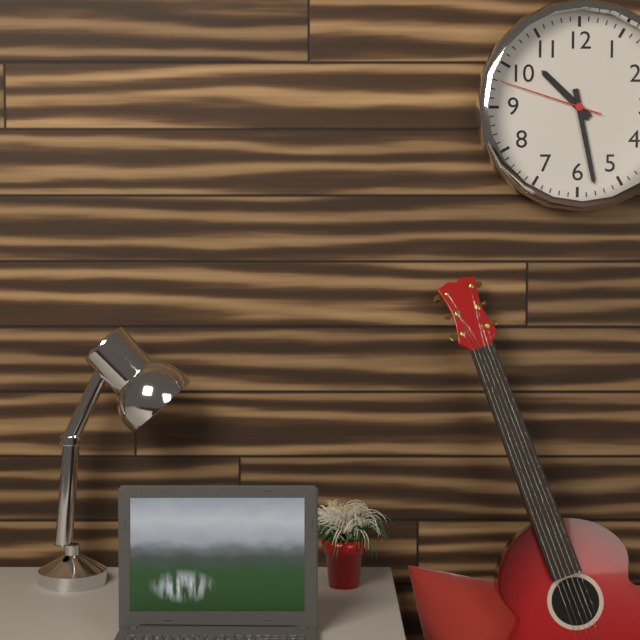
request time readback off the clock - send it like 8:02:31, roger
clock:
10:28:48
